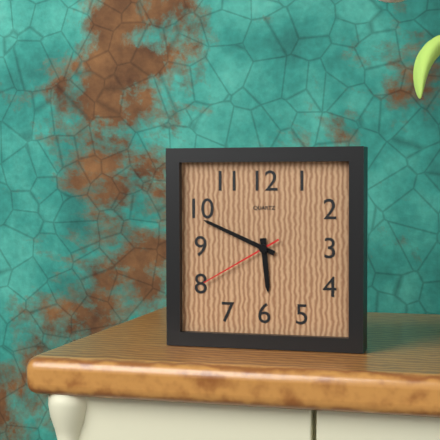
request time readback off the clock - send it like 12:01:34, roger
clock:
5:49:40
